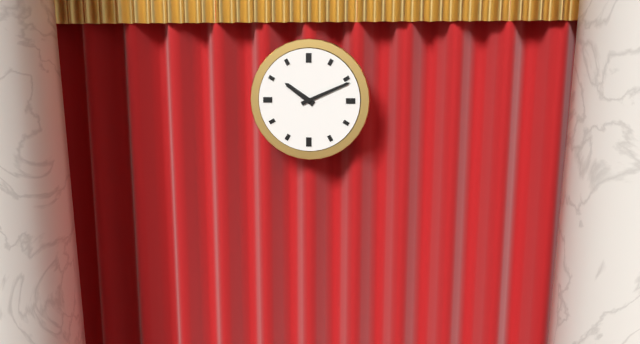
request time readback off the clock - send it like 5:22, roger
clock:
10:11
